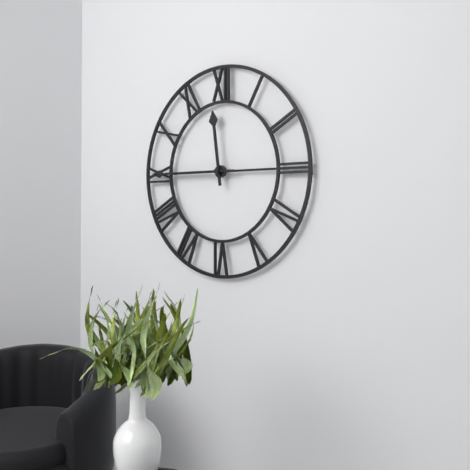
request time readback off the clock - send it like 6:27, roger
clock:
11:45
